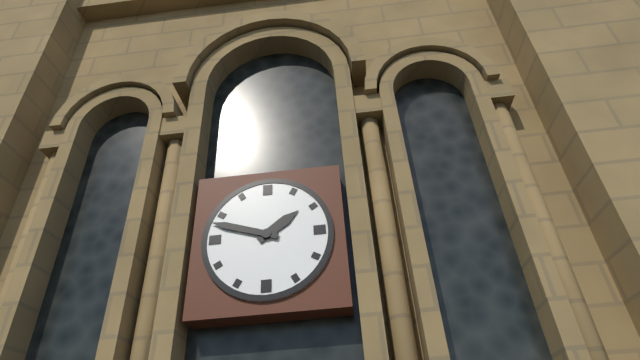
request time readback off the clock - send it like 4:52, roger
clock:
1:48
